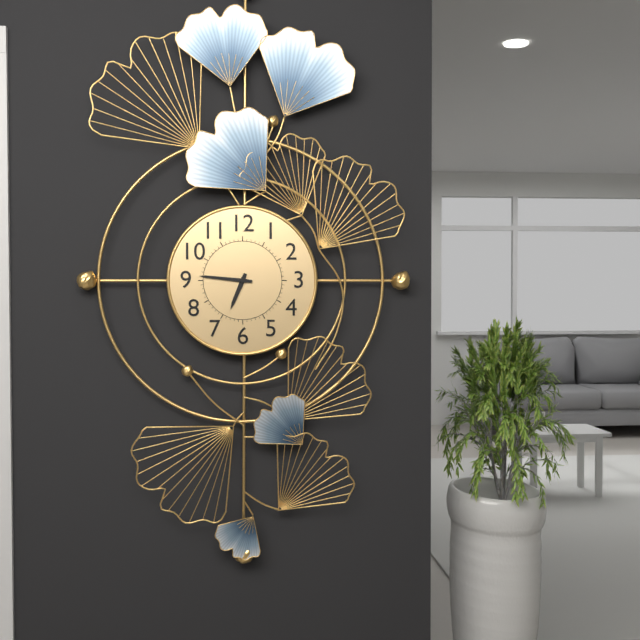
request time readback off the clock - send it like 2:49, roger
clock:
6:46
